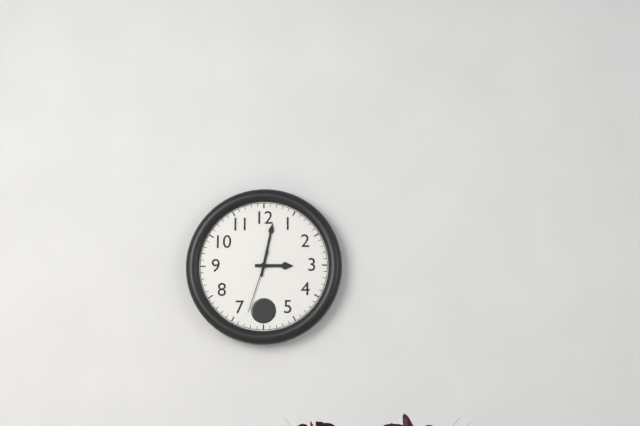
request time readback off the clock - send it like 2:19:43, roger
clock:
3:02:33
